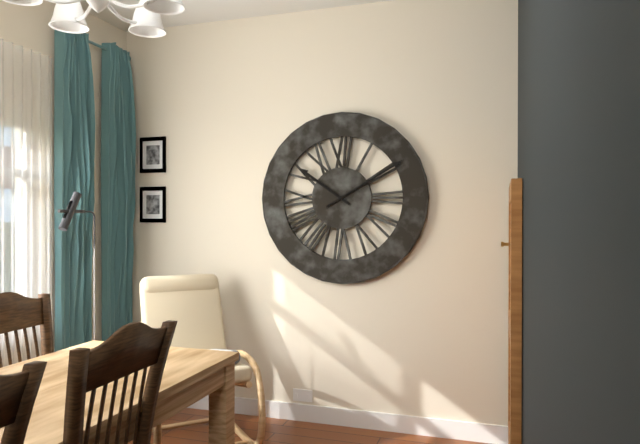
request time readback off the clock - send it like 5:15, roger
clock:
10:10
